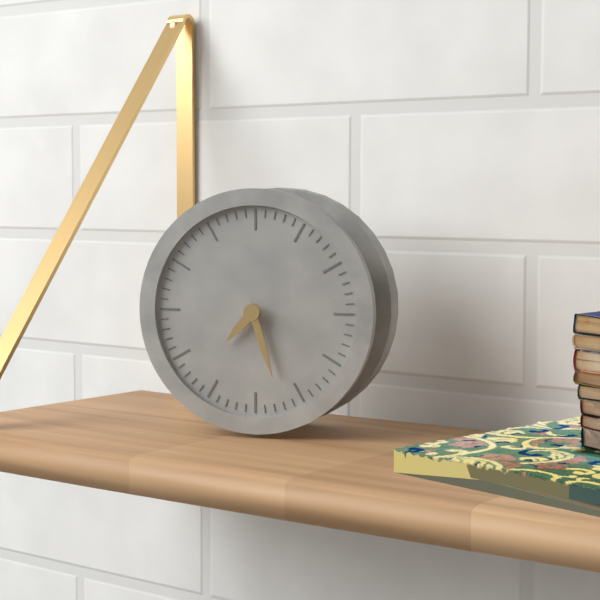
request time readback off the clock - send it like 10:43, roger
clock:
7:27
